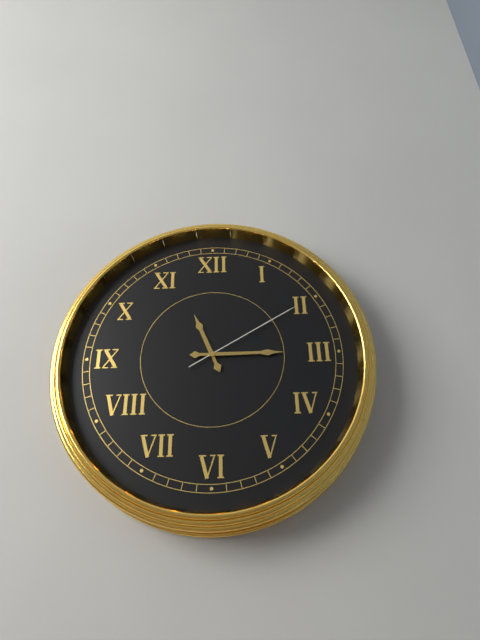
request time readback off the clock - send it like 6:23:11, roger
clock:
11:15:10
